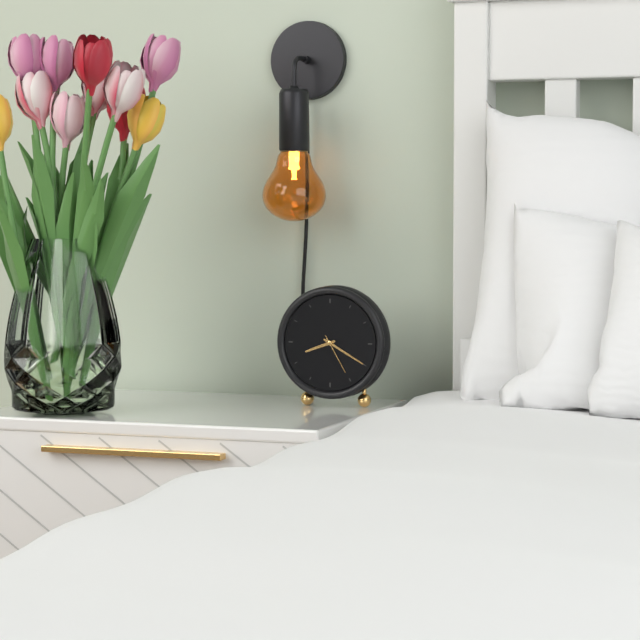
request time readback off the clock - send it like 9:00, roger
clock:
8:20
